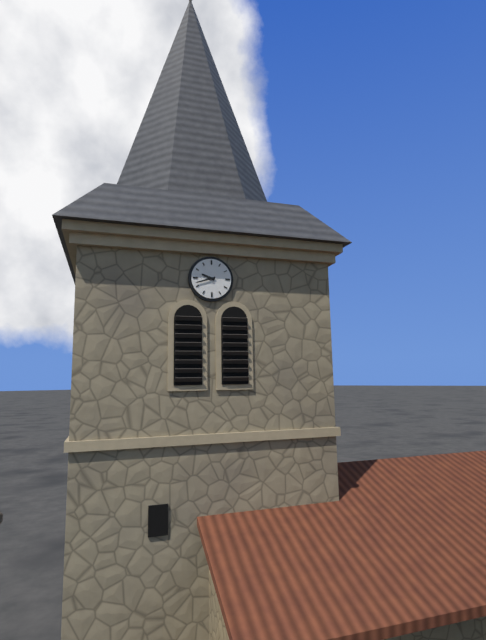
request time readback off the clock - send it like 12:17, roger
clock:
9:42
